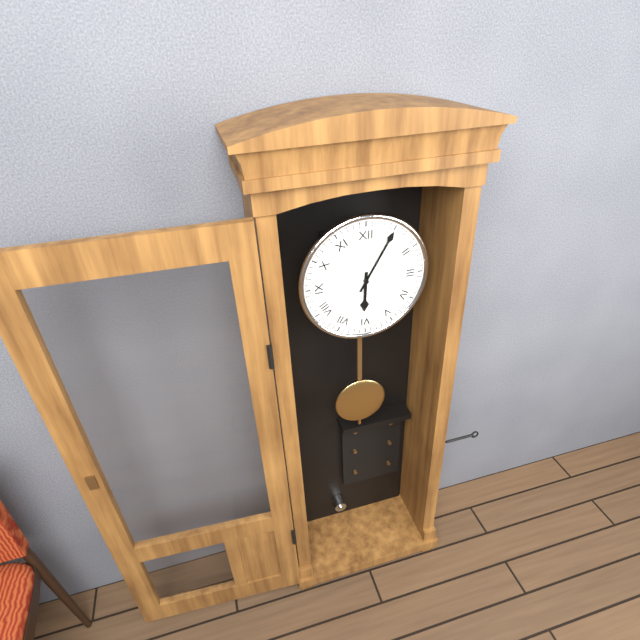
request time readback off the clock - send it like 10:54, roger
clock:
6:05
